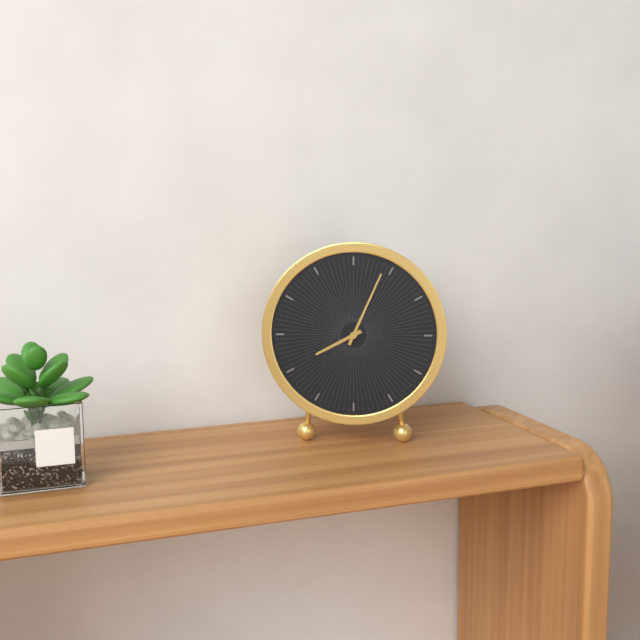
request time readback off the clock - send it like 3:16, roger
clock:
8:04
